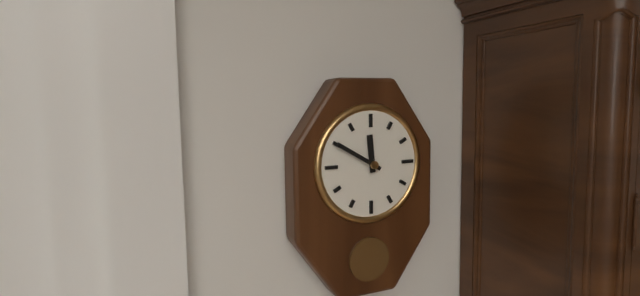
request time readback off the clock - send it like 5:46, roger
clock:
11:50
